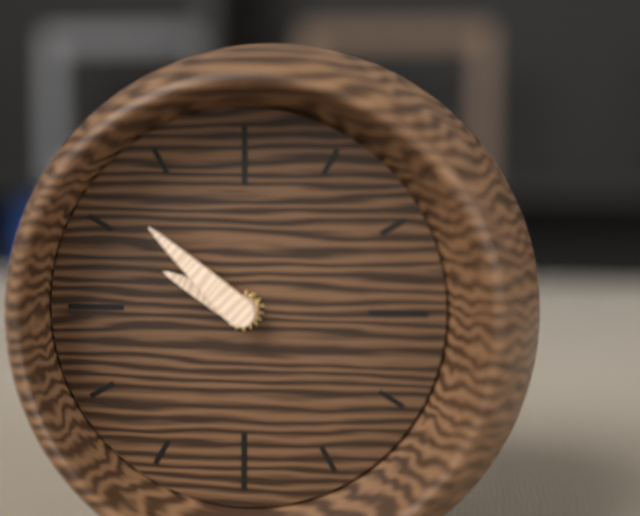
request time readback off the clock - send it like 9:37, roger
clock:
9:52
